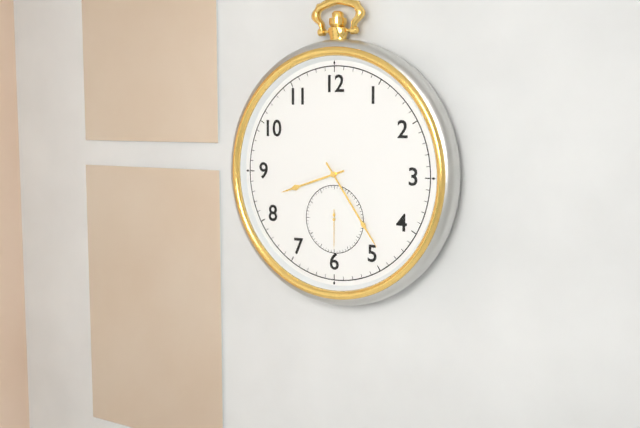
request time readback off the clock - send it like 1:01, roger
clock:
8:24
